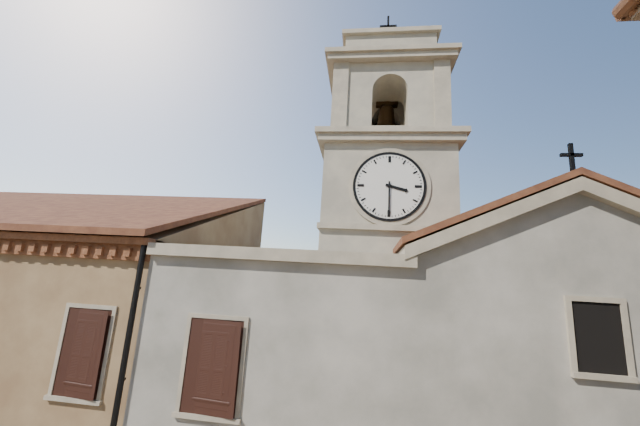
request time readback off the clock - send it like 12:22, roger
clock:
3:30
